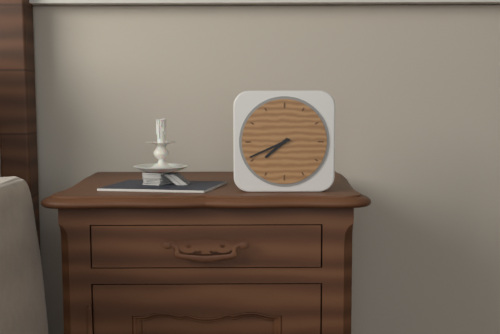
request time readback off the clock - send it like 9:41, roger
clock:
7:41
